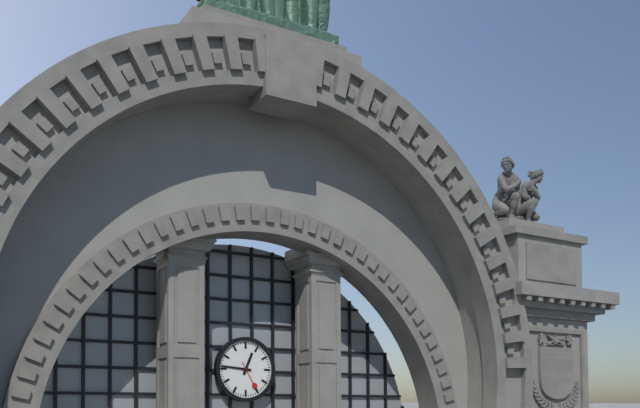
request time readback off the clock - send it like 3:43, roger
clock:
12:46
